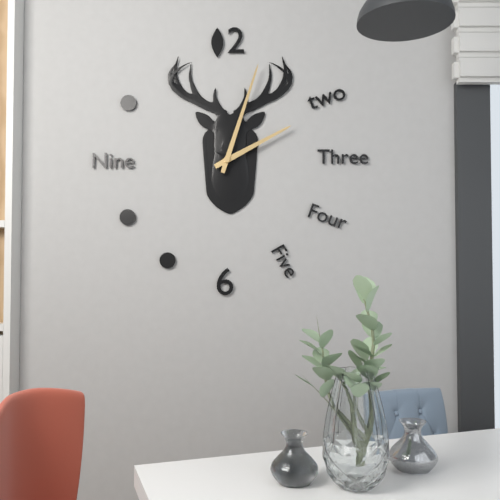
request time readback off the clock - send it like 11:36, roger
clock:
2:03
